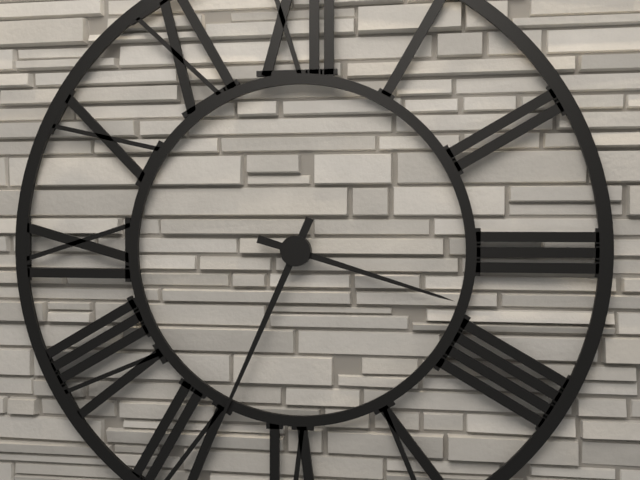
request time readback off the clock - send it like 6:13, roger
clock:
3:34
